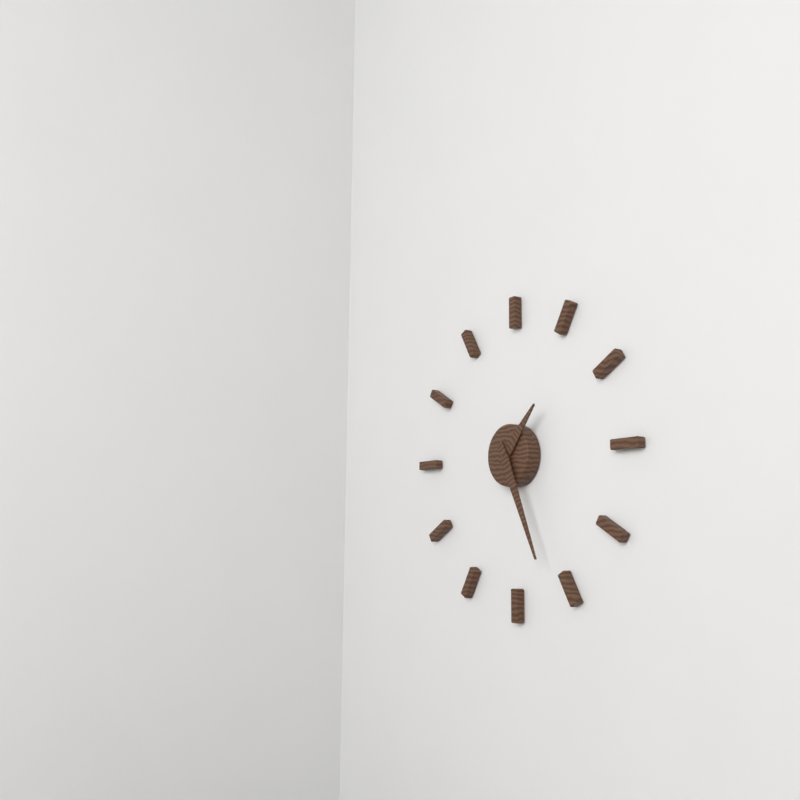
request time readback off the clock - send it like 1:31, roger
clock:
1:26
